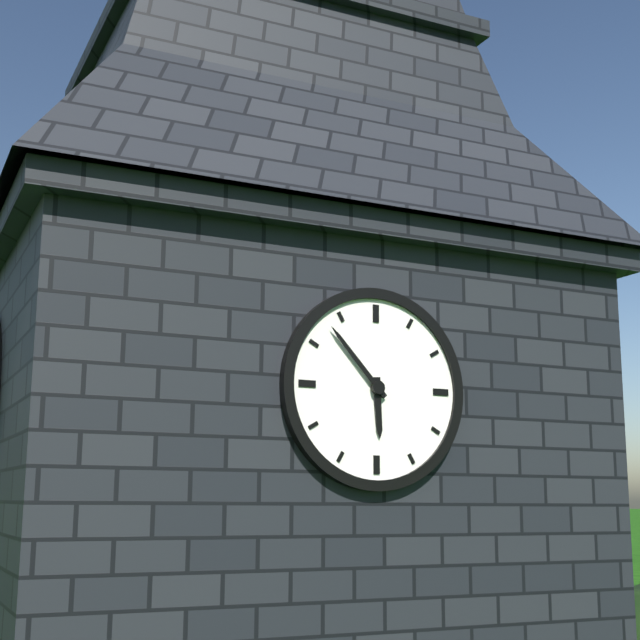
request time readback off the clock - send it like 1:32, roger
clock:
5:53
